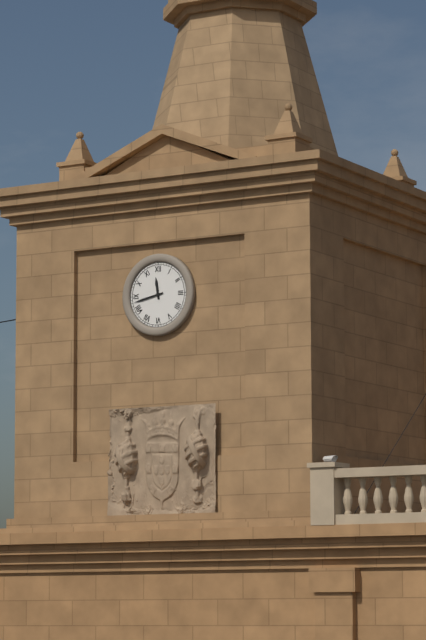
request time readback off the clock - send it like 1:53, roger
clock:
11:43
